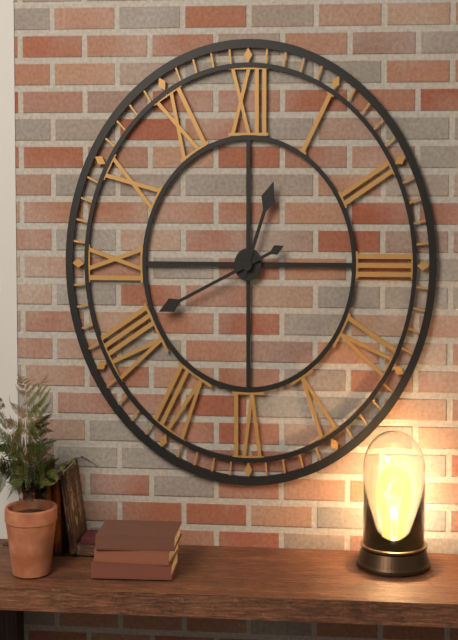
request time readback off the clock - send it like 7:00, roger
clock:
12:41
